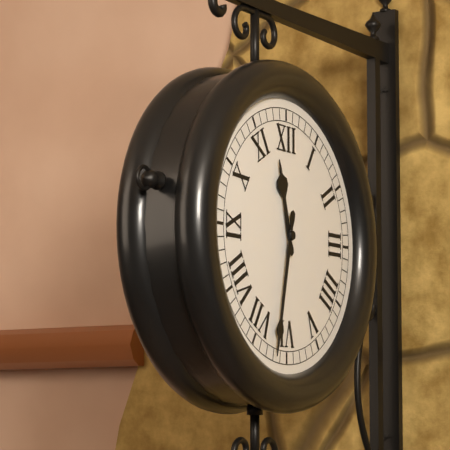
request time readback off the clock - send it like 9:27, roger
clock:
11:32
